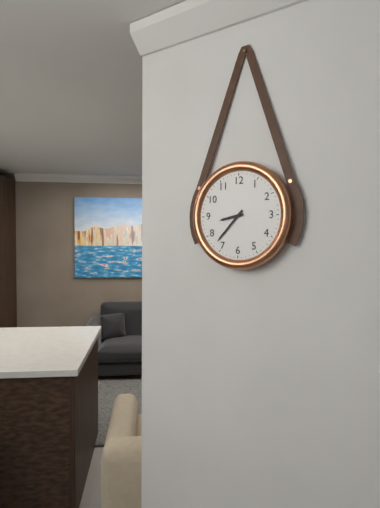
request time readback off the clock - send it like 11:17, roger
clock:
8:37
